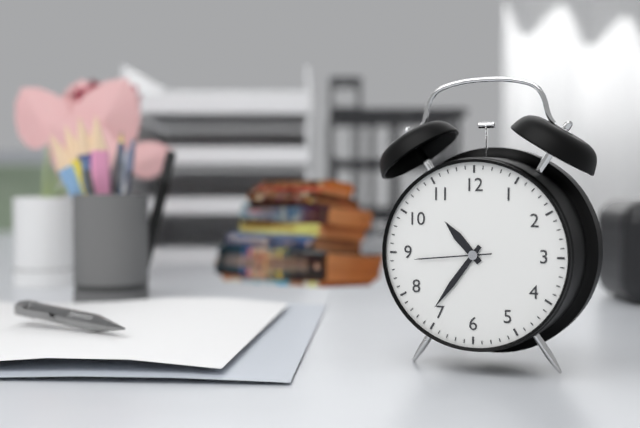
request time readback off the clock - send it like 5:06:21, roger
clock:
10:36:44
